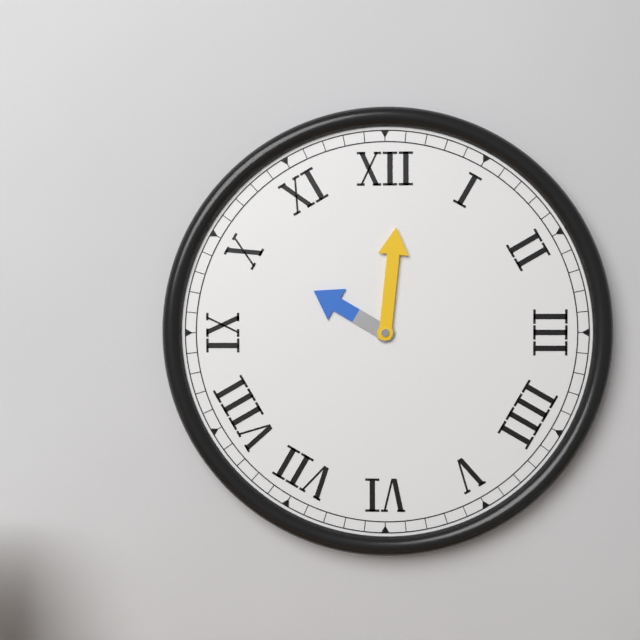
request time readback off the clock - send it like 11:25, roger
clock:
10:01
